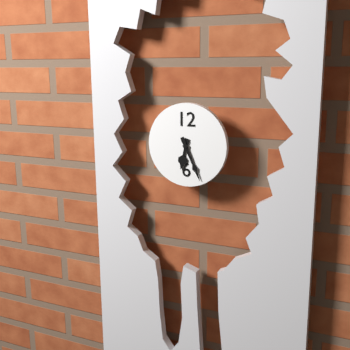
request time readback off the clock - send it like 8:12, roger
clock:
6:26
